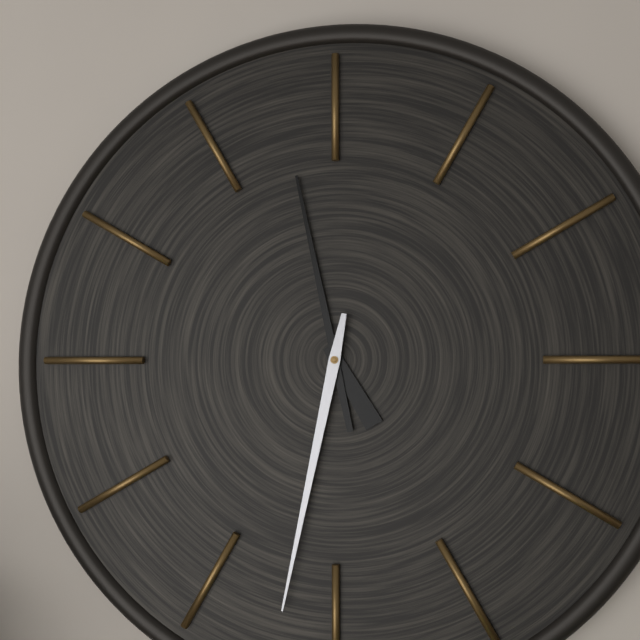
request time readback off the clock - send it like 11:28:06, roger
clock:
4:58:32
